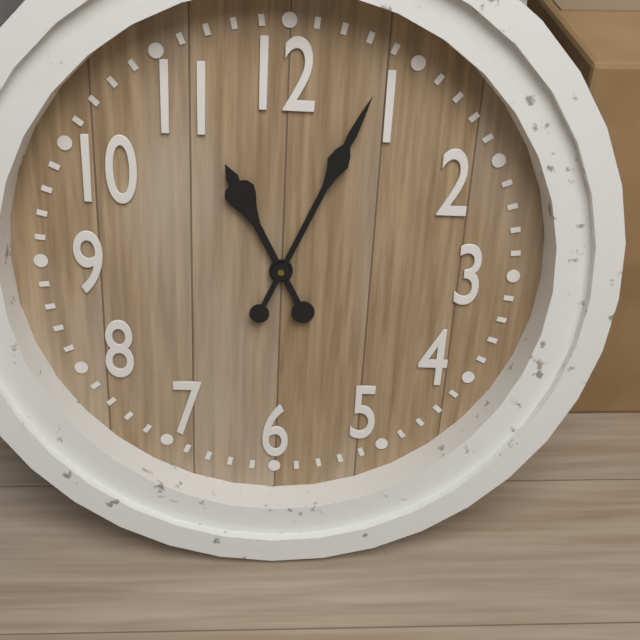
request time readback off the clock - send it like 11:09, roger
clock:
11:04
